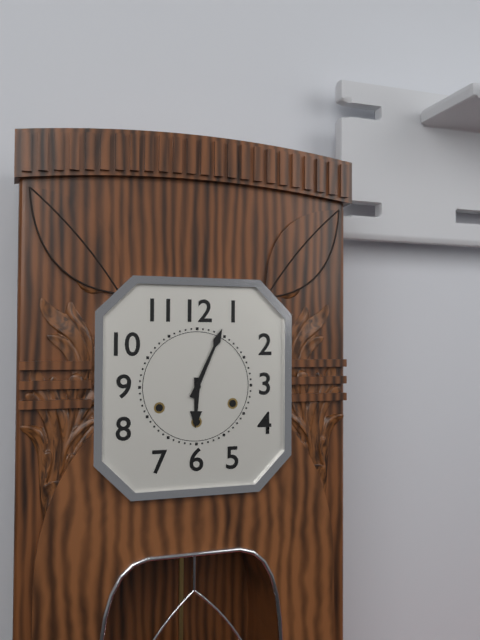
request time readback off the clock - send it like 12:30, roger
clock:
6:04
